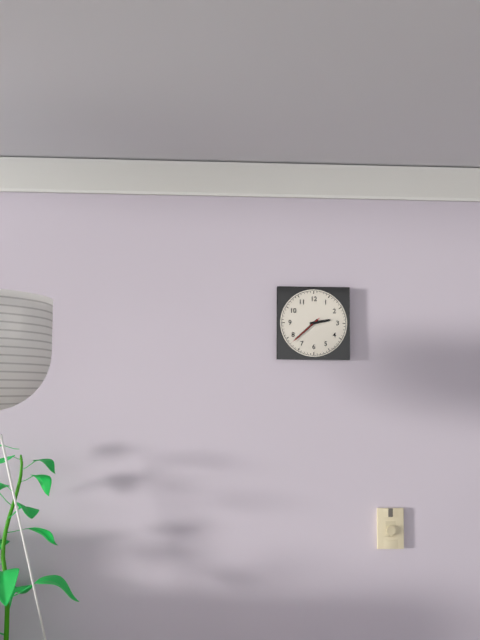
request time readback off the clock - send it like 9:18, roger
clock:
2:38
